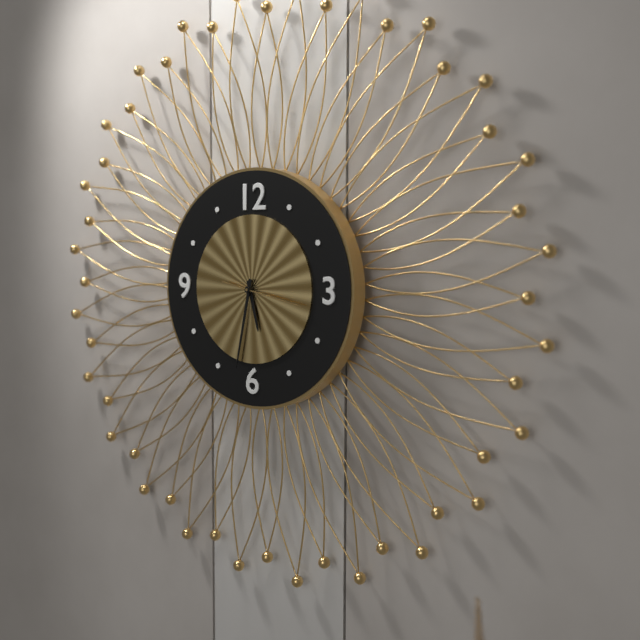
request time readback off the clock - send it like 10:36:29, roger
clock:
5:32:17
